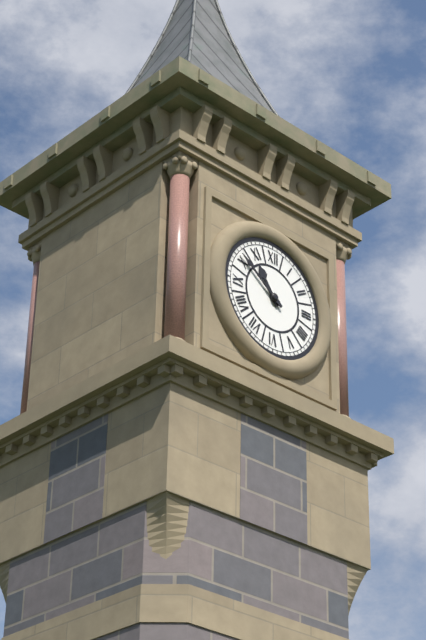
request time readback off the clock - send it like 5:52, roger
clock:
10:51
